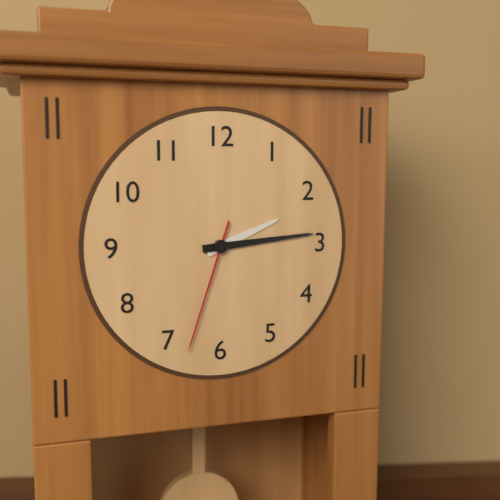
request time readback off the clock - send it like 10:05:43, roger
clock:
2:14:33
